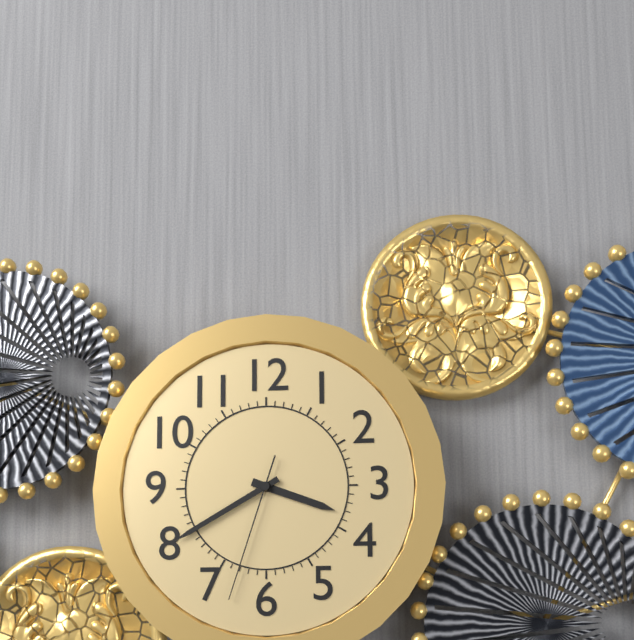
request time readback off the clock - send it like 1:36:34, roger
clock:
3:40:33
